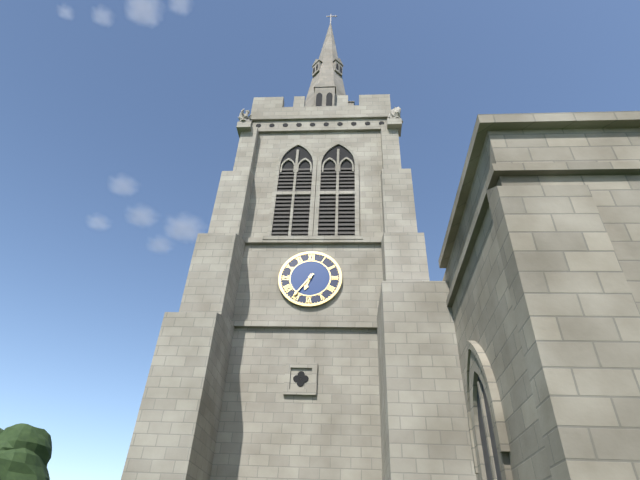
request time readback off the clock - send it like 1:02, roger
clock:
6:36
